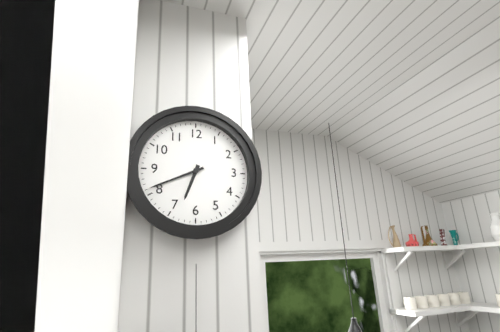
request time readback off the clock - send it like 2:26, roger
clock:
6:41
